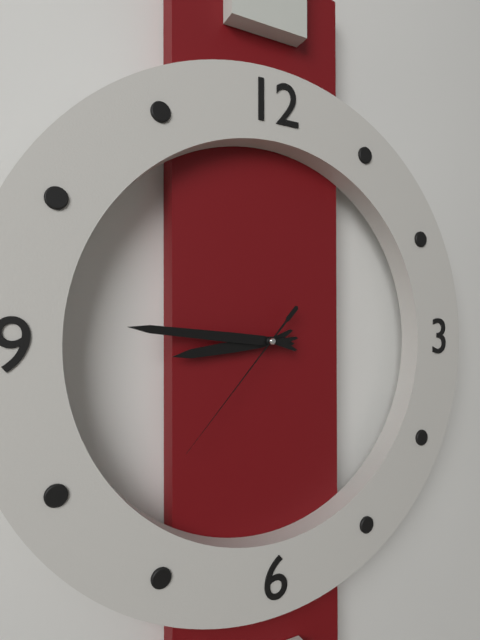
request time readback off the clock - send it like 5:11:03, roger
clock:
8:46:37
